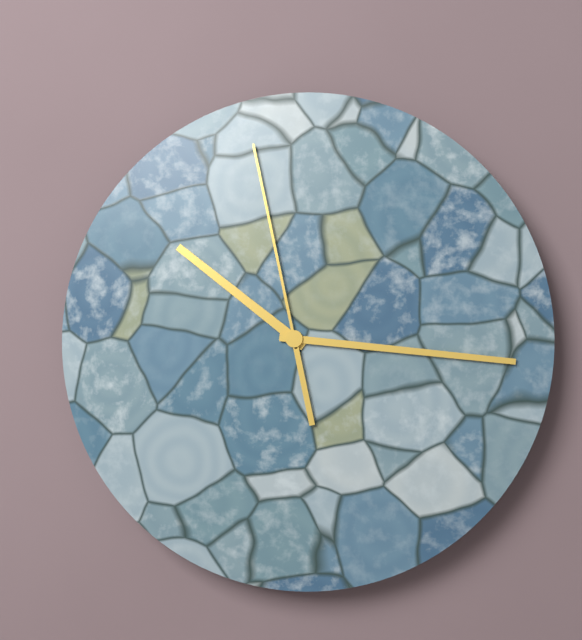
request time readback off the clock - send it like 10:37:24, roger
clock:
10:16:58
